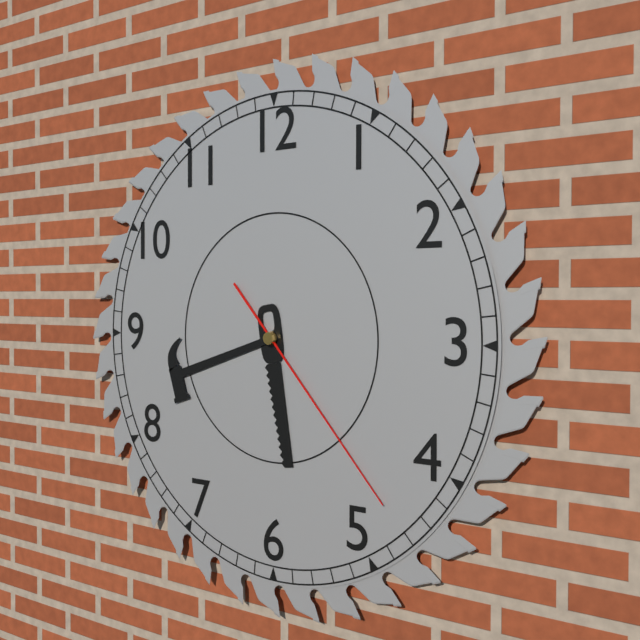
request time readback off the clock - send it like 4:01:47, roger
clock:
5:42:23
